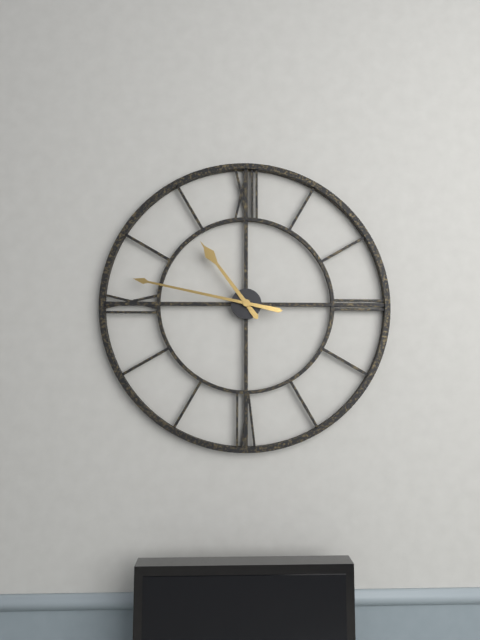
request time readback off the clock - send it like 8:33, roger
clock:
10:47
